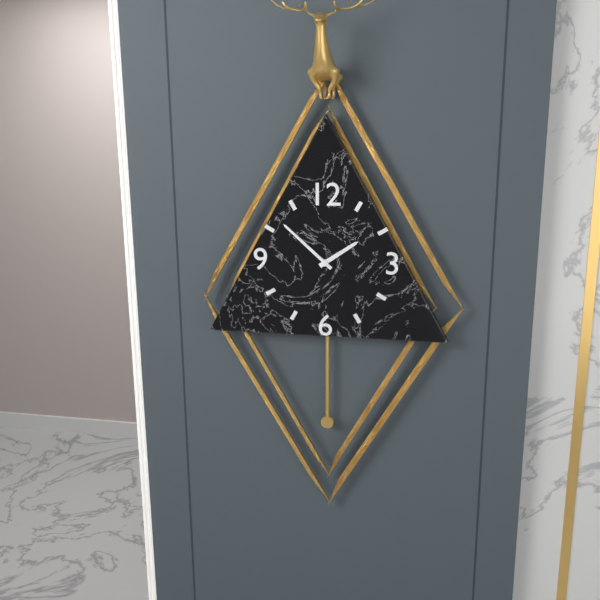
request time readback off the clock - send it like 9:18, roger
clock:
1:52
